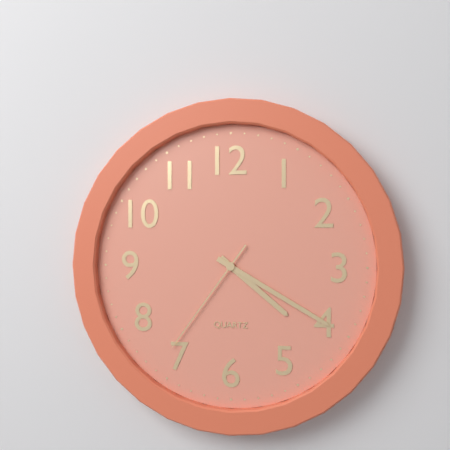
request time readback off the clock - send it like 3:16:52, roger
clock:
4:20:36
